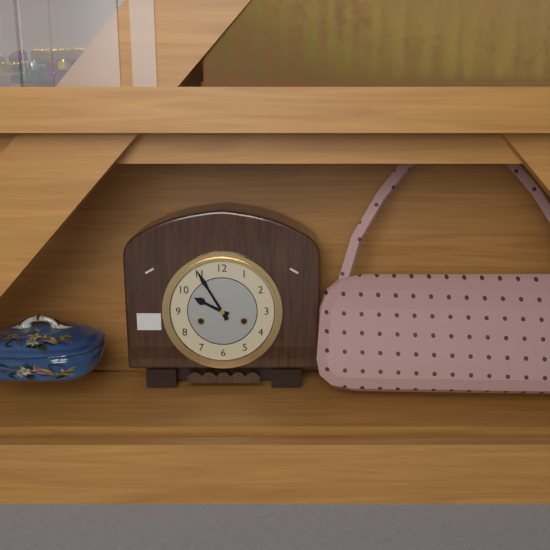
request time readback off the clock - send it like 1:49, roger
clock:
9:55
